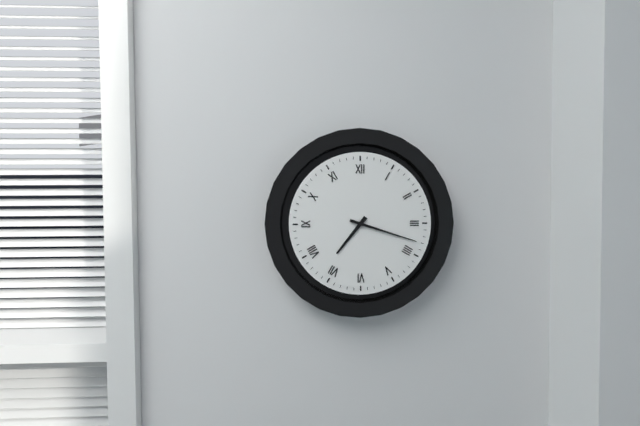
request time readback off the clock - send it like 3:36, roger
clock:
7:18
